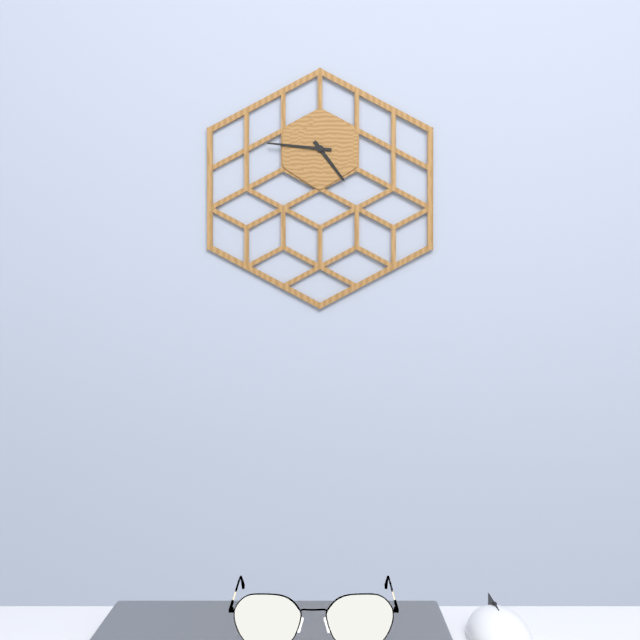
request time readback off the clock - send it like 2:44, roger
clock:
4:46
